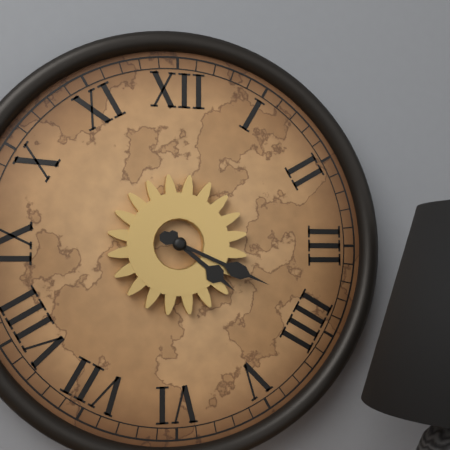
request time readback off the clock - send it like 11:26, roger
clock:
4:19
